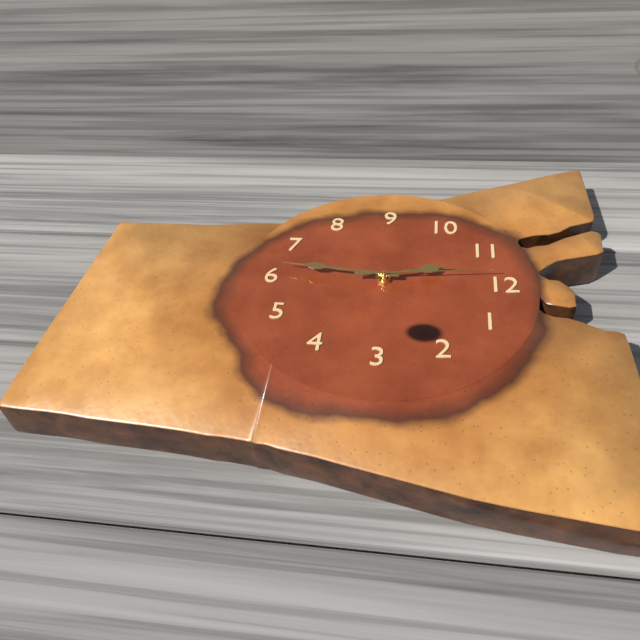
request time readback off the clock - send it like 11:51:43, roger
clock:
11:31:59
